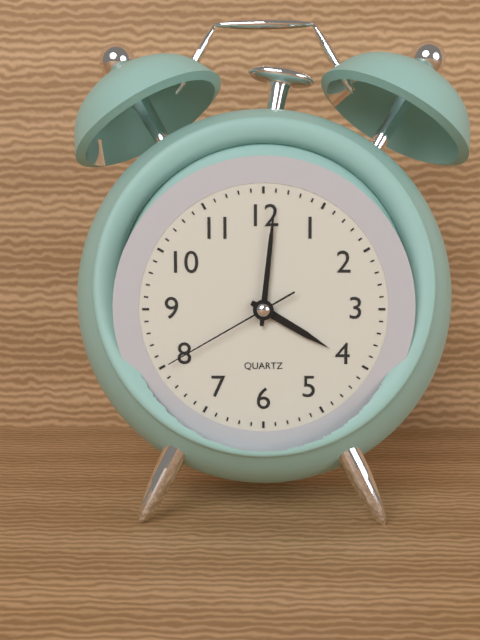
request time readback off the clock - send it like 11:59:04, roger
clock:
4:01:40
